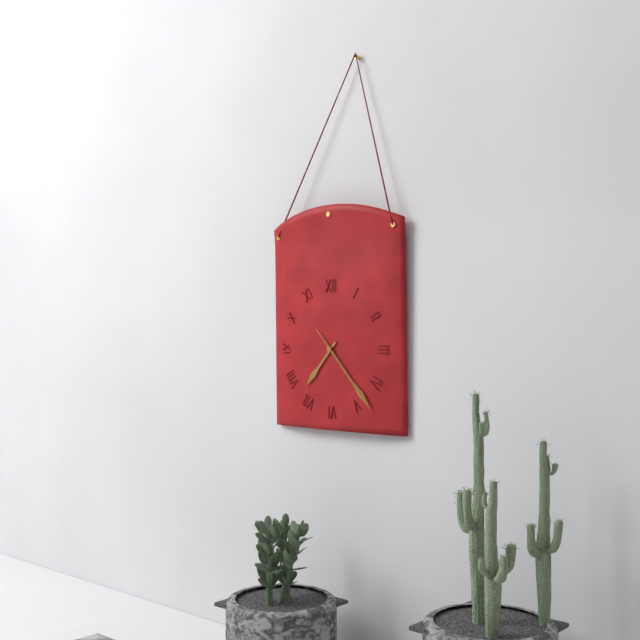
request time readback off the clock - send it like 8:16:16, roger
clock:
7:23:23
